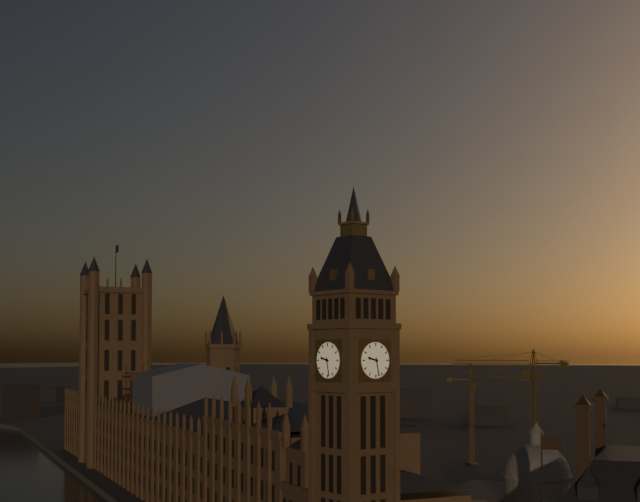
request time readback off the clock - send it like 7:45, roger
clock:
9:28
